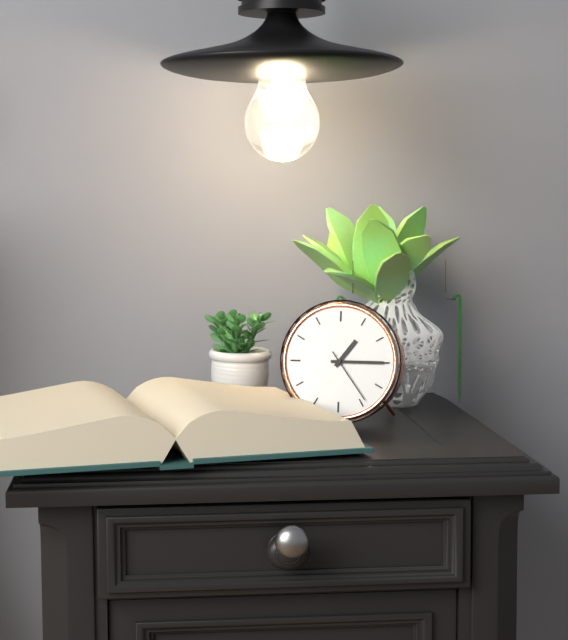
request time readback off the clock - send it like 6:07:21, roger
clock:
1:15:24
